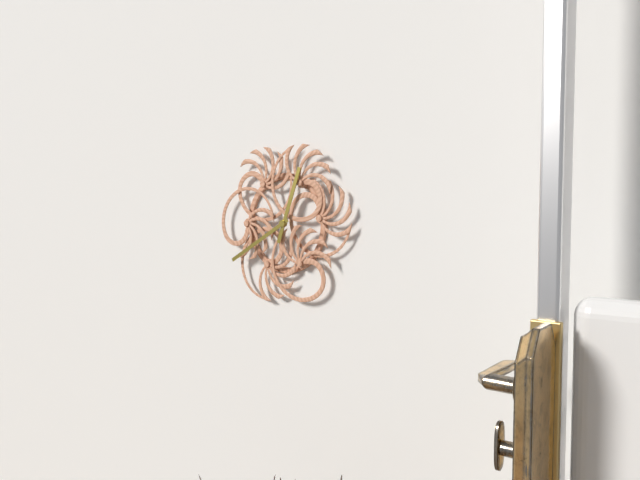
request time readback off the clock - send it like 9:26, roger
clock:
12:40
